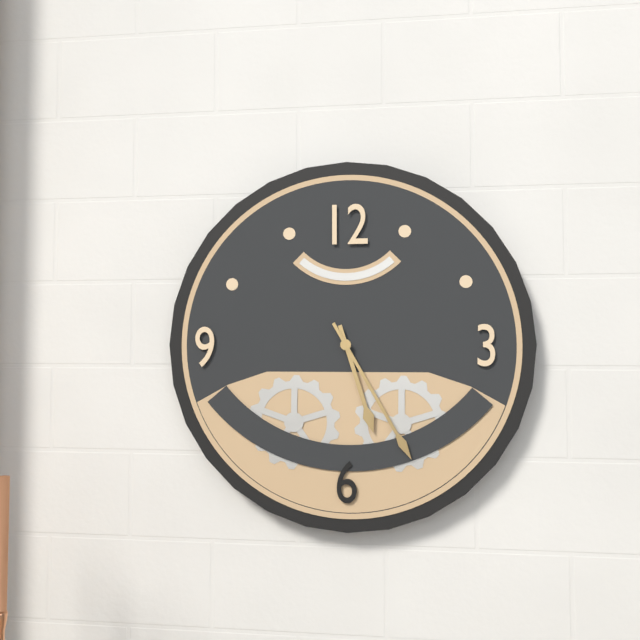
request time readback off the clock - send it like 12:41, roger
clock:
5:25
